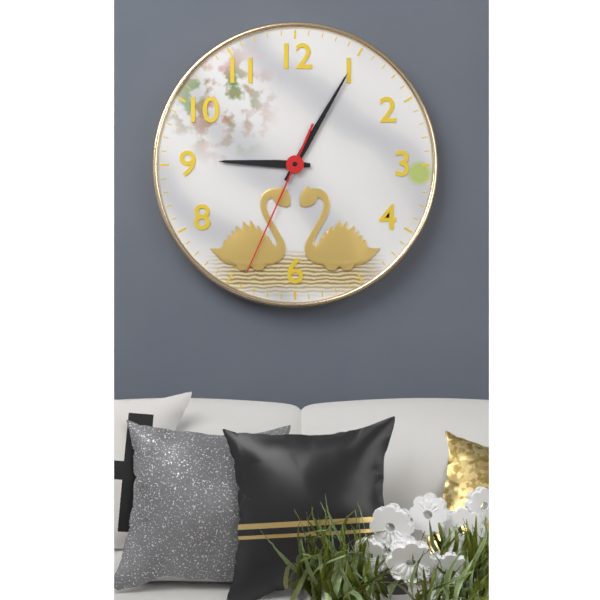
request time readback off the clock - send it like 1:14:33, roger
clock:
9:05:34
